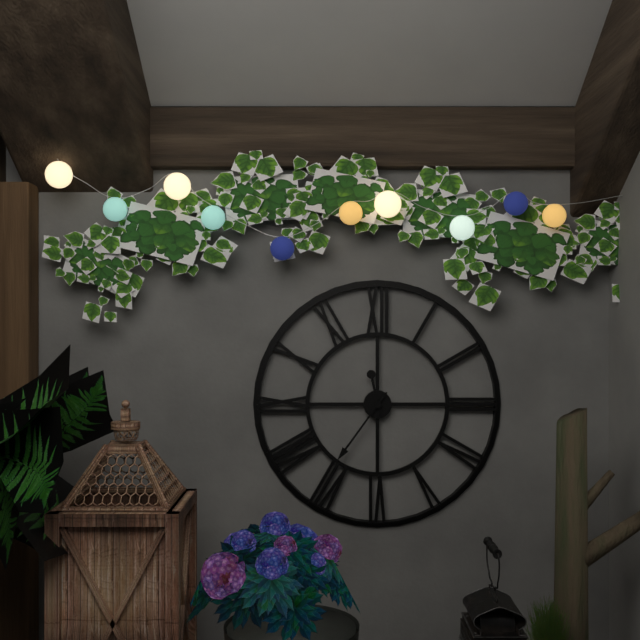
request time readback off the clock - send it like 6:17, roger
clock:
11:36
